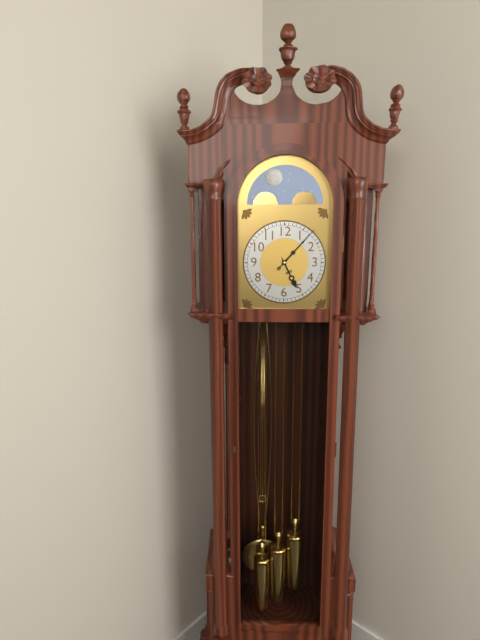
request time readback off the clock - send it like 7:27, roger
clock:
5:07
